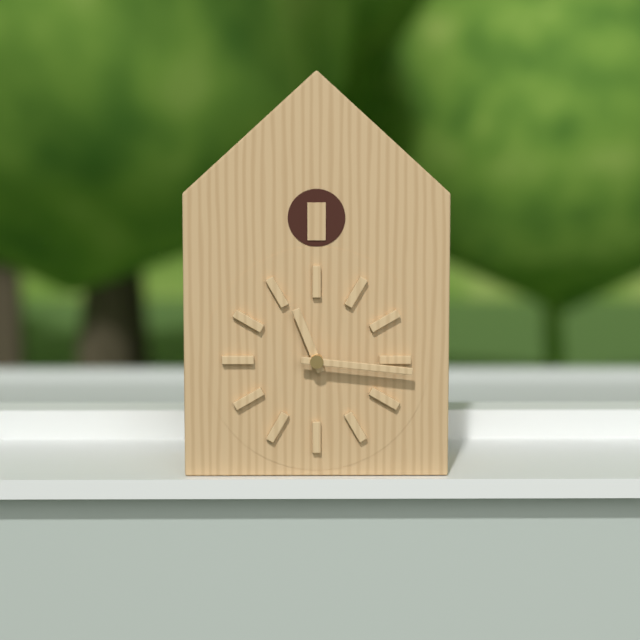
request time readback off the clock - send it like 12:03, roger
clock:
11:16
